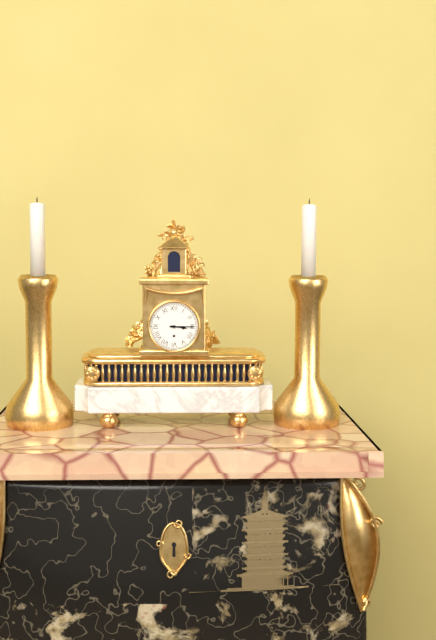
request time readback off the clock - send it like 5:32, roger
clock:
3:15
